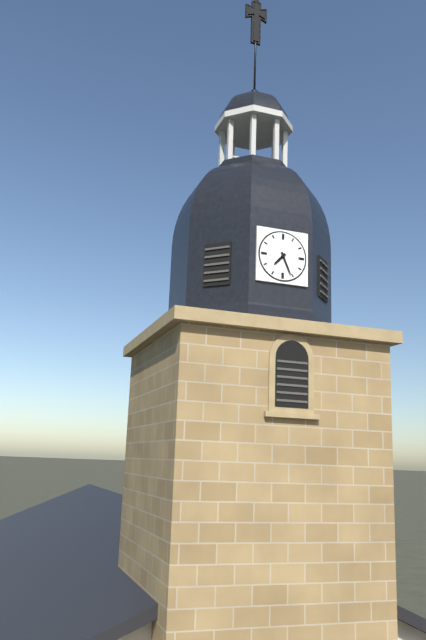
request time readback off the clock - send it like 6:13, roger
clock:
7:26
